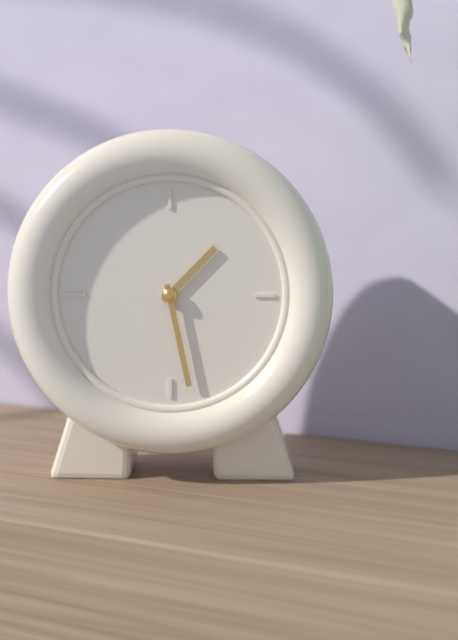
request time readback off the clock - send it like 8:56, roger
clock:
1:28
